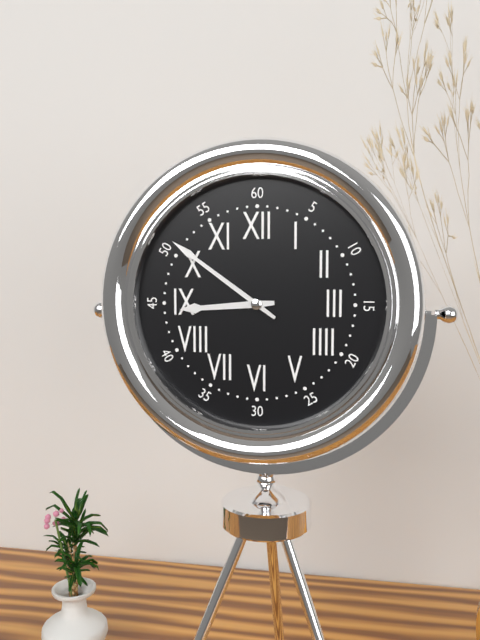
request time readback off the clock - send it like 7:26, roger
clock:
8:51
